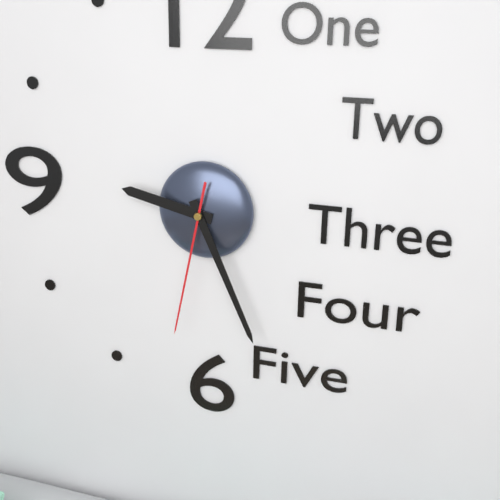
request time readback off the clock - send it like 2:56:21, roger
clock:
9:26:32
